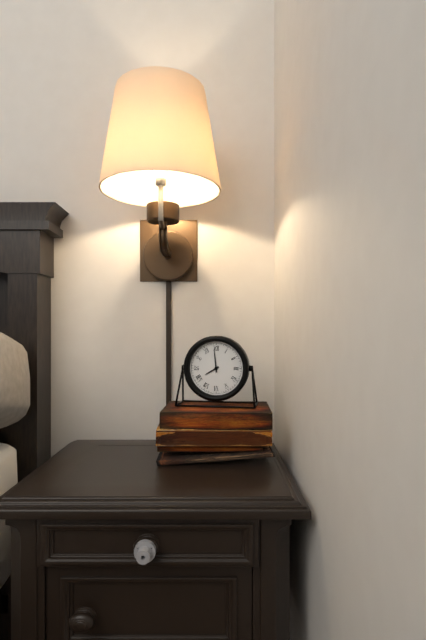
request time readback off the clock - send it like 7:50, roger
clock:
7:59
